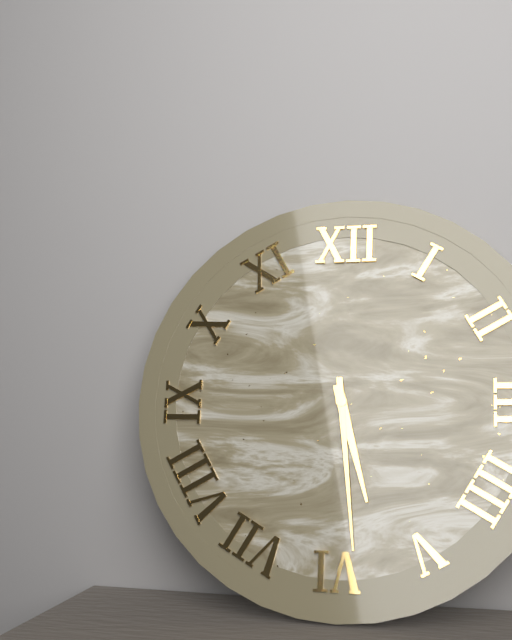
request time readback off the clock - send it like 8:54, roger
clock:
5:29
